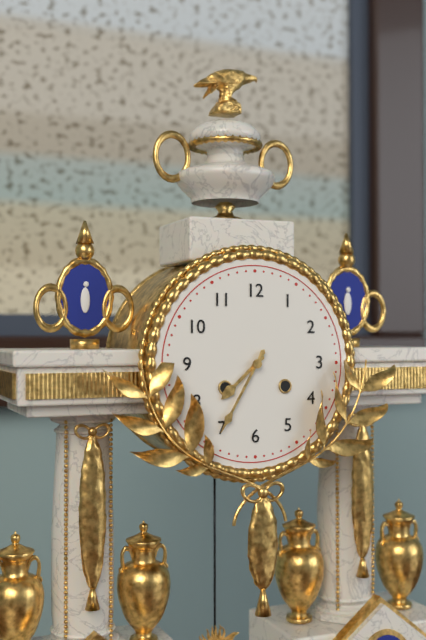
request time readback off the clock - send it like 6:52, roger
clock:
7:35
